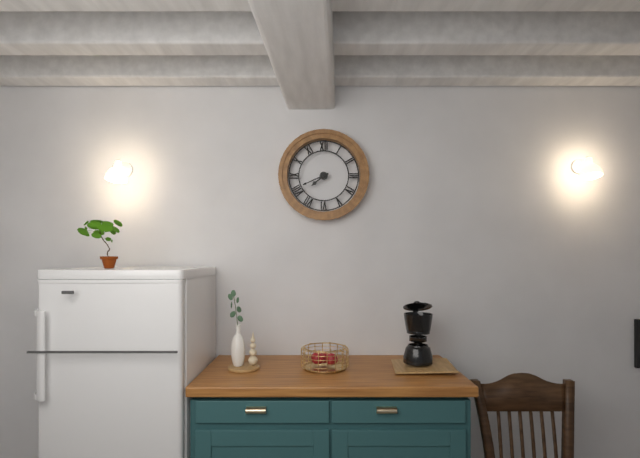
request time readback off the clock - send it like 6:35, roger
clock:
7:41
